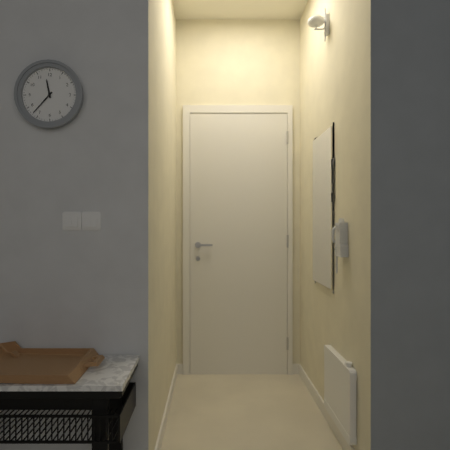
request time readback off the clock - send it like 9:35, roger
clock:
11:37
